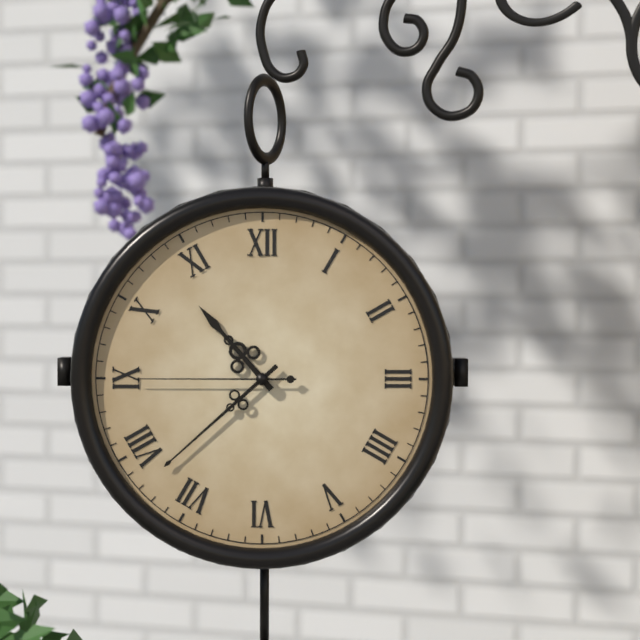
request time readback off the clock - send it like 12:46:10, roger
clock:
10:38:45
